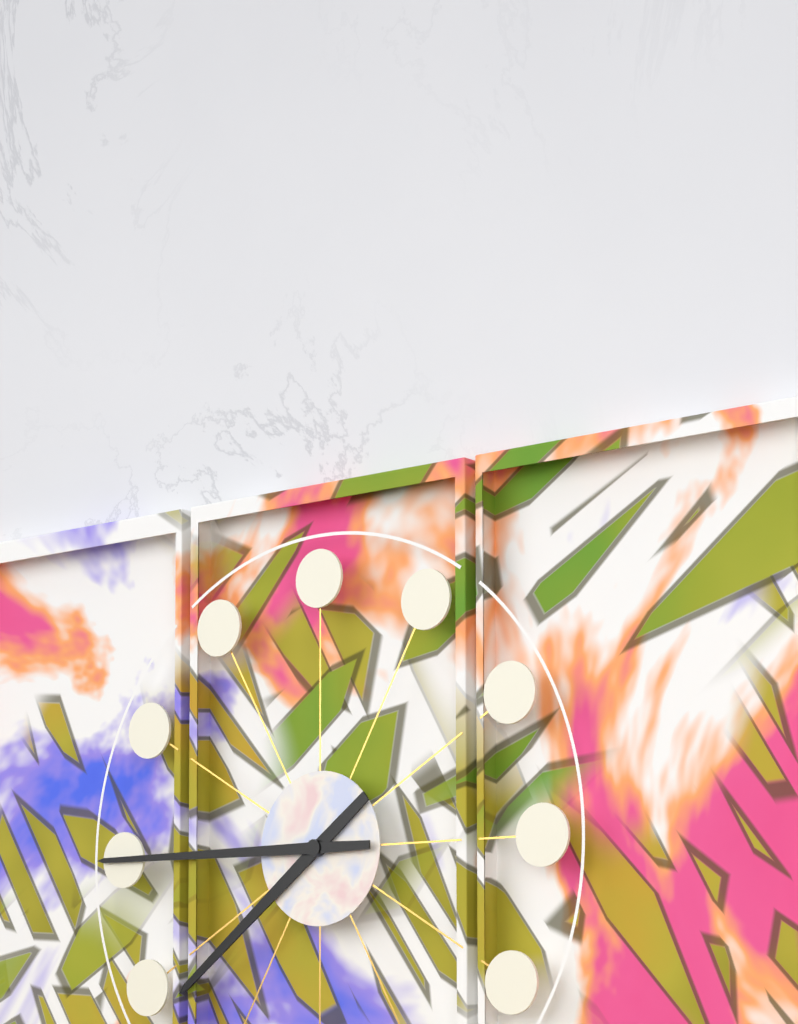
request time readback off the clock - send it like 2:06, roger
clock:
7:45
